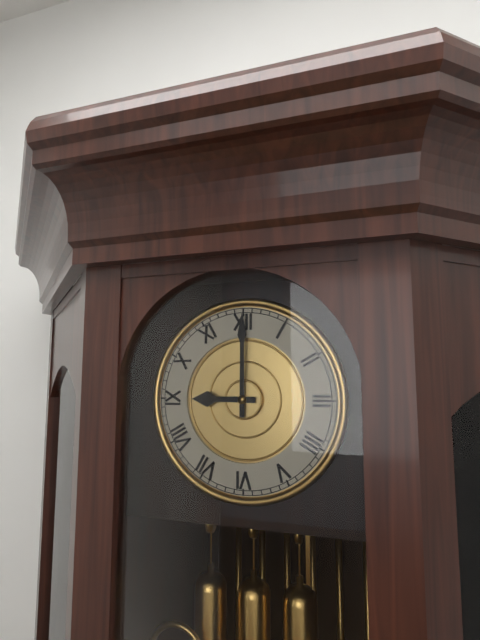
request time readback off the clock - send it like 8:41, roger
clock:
9:00
